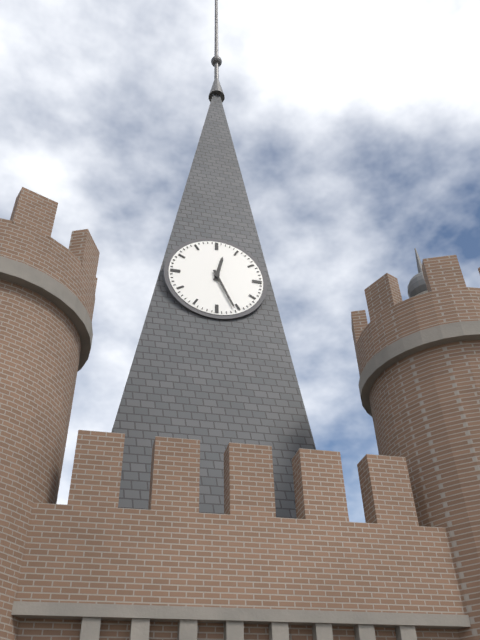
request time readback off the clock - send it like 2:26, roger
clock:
12:26
